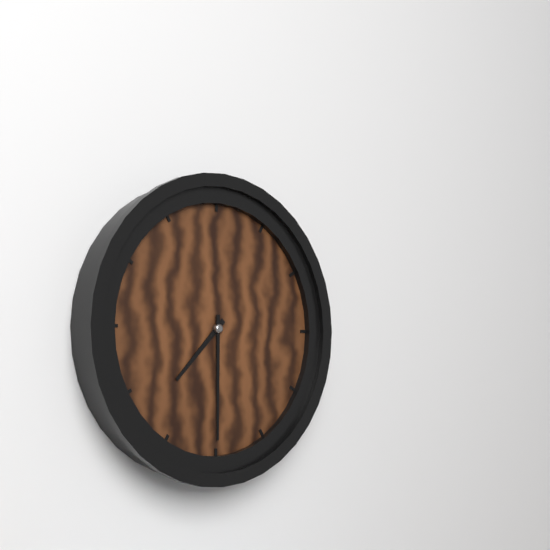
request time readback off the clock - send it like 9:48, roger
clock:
7:30
